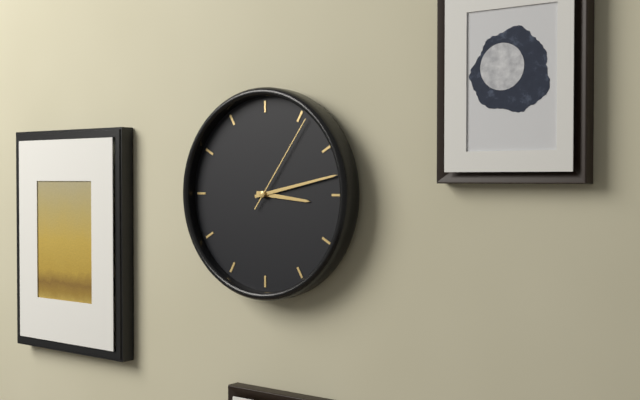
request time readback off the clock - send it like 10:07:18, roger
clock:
3:13:06
